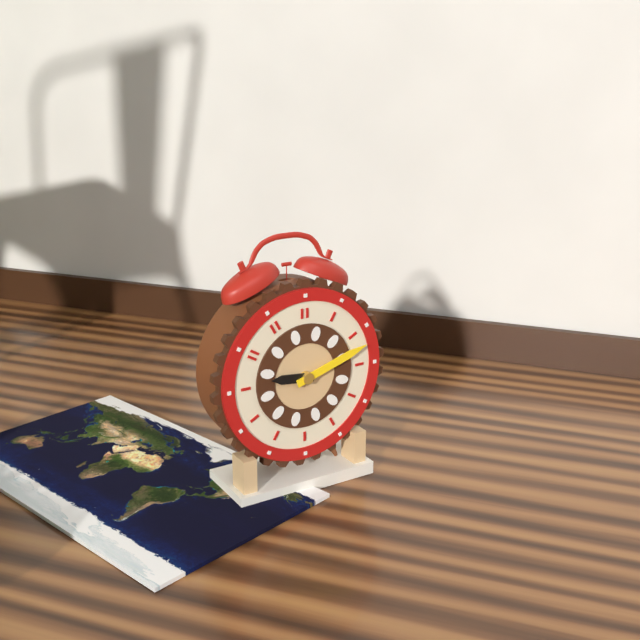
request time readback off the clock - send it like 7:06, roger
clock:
9:12
